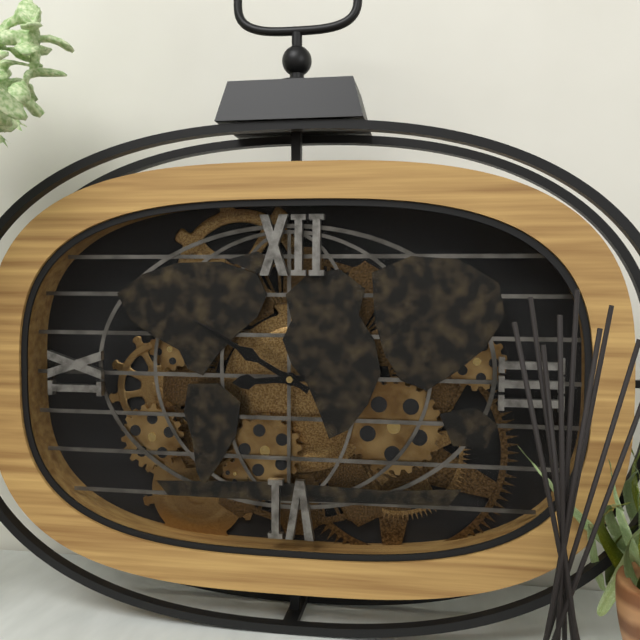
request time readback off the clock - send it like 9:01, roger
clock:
8:50
